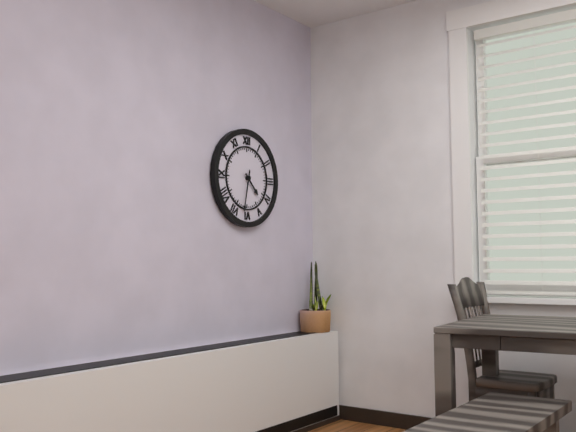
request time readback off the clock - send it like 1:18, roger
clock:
4:32
